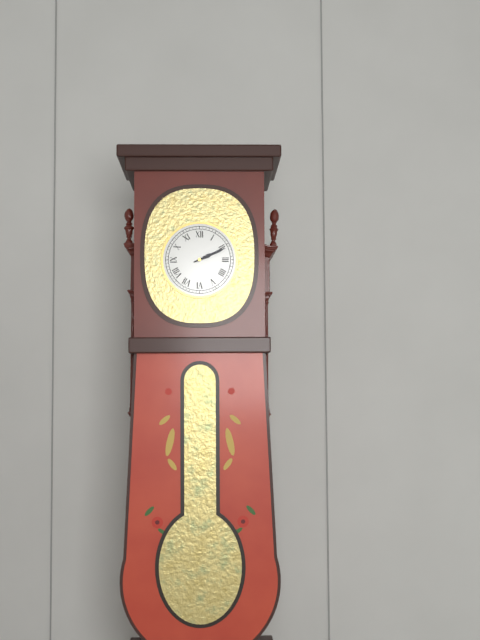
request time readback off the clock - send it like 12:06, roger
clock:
2:11
